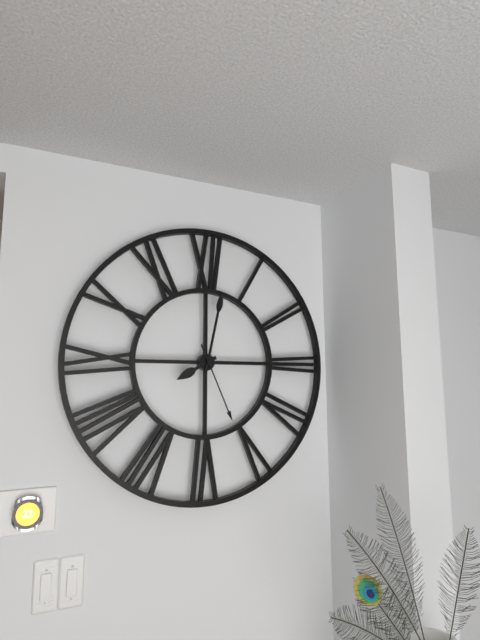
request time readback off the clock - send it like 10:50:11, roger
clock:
8:02:26
